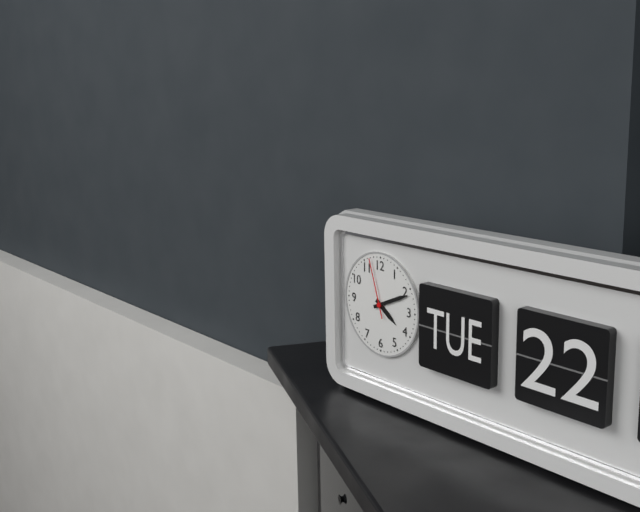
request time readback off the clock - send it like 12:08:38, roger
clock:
4:11:57
